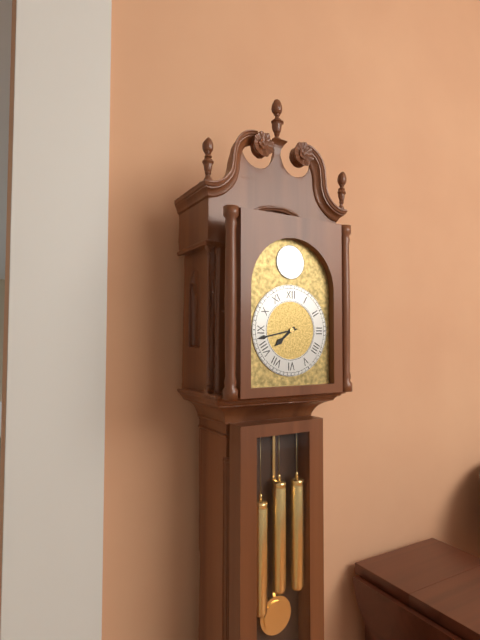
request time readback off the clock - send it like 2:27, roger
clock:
7:43
